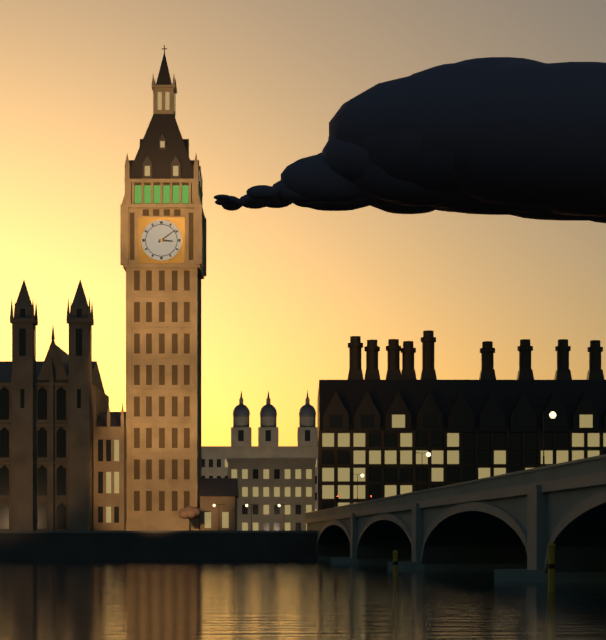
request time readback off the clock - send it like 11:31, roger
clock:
3:09
